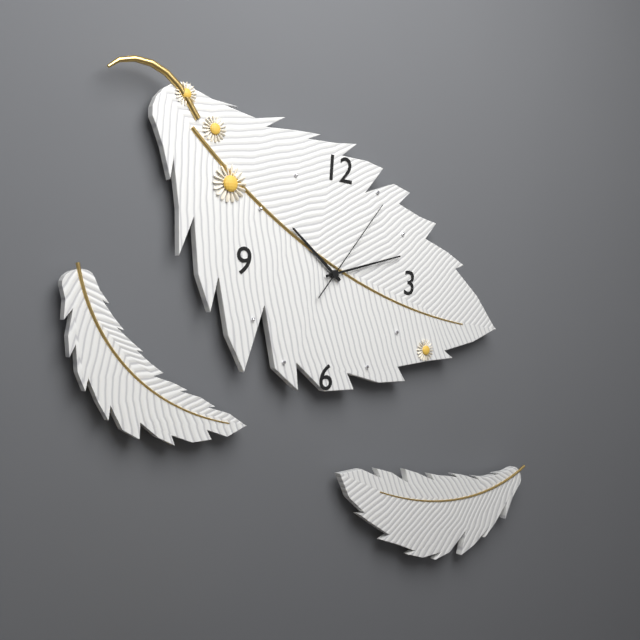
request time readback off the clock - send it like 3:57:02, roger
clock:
10:12:06
